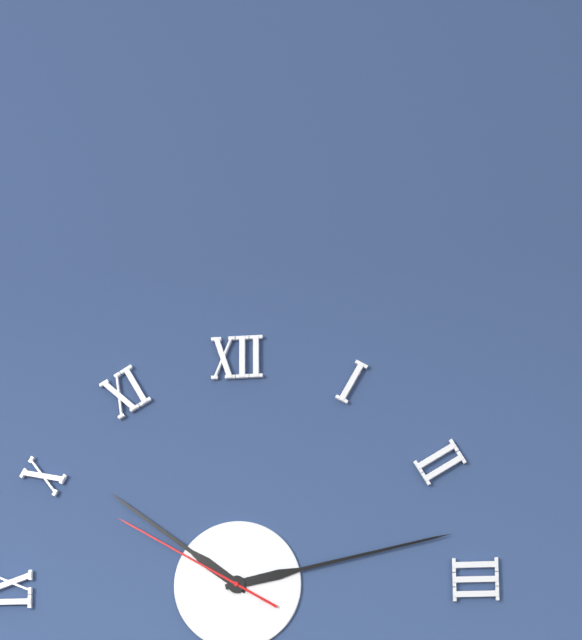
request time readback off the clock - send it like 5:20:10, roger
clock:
10:13:50
